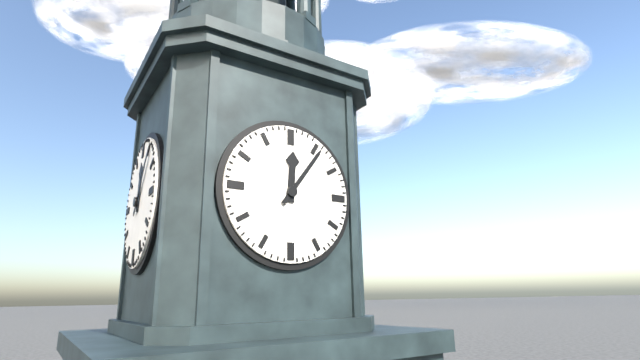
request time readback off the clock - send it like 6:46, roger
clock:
12:06
